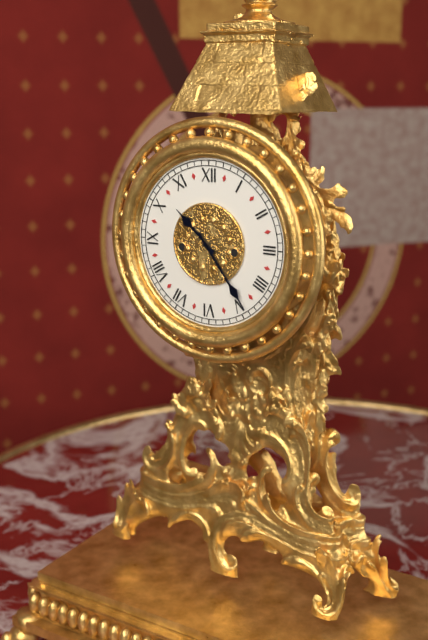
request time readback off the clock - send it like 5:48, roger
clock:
10:24
